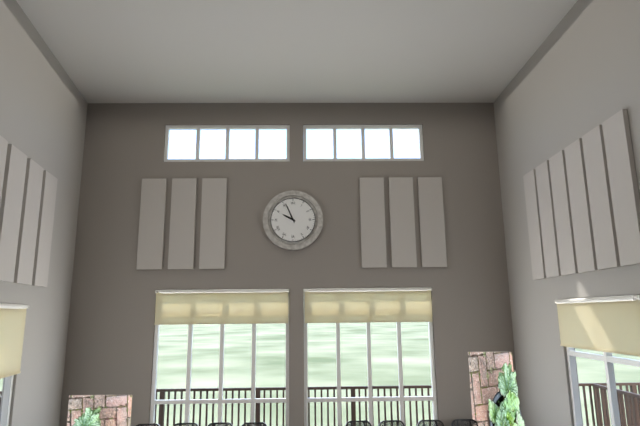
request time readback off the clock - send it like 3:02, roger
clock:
9:56
